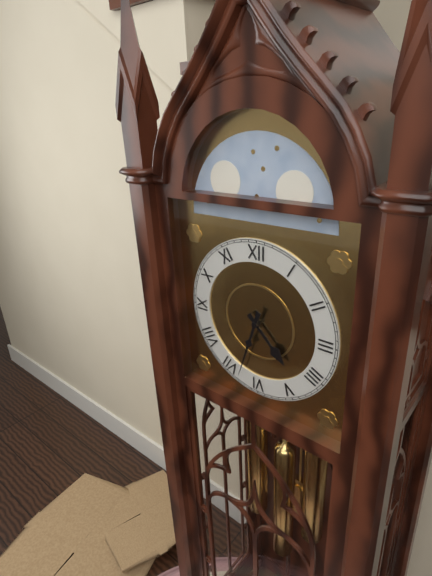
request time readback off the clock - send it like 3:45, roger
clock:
4:33
